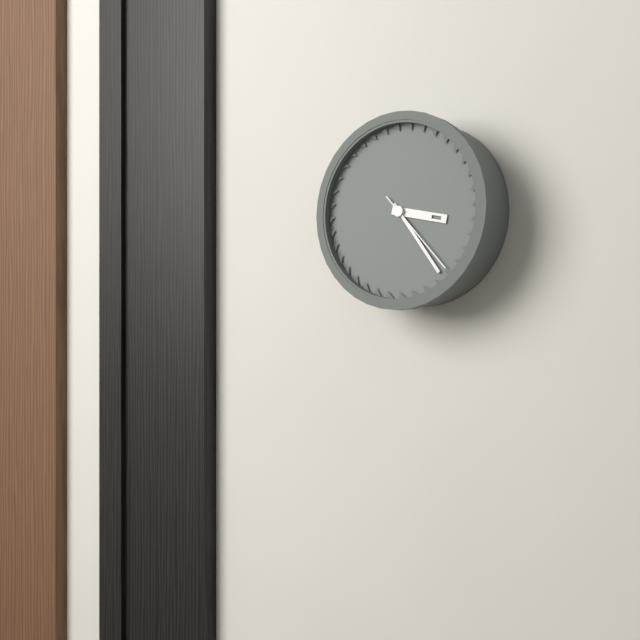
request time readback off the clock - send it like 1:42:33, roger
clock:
3:24:23
